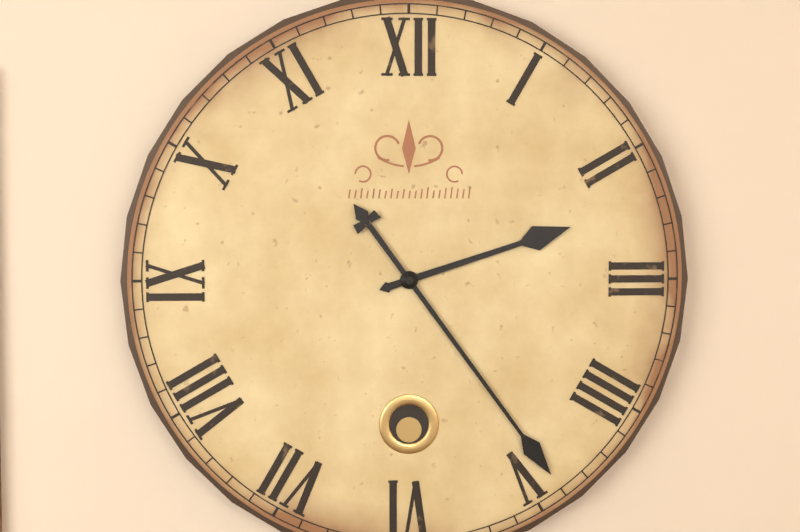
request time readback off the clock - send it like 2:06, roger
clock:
2:24
